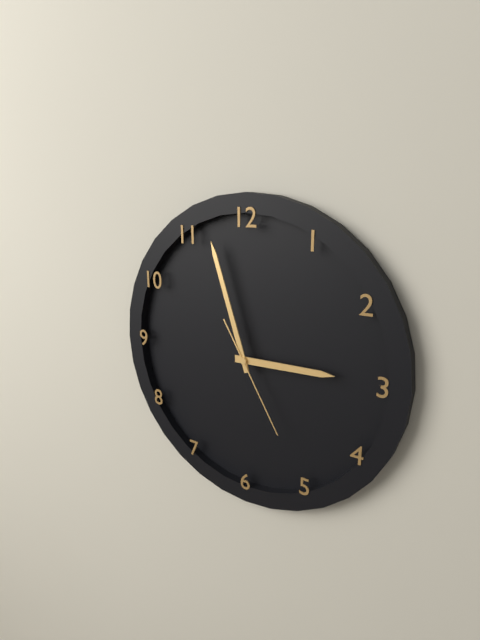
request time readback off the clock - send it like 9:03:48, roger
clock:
2:57:25
